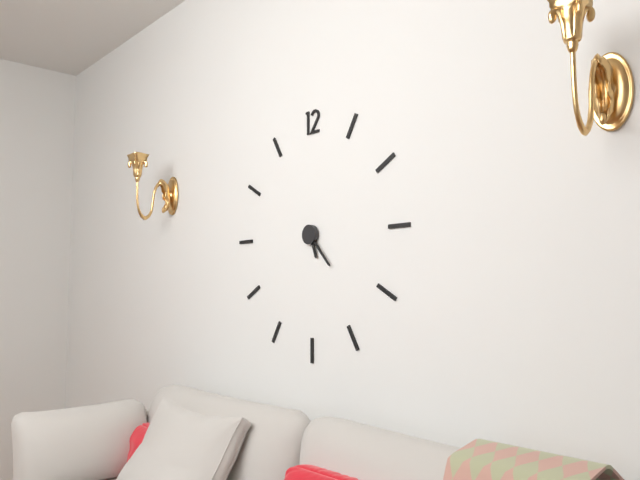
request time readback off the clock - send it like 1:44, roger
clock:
5:23
